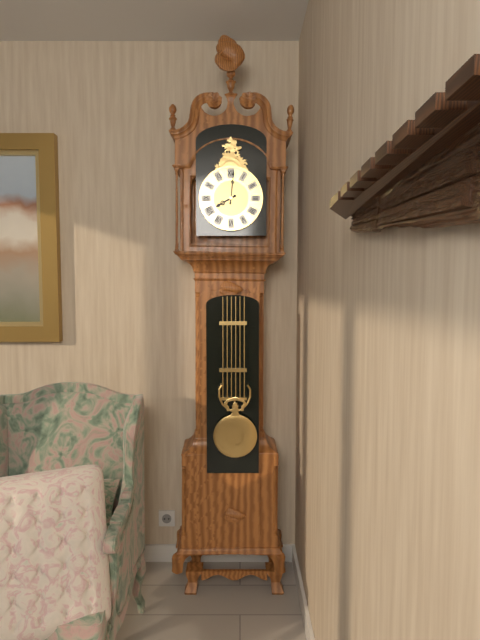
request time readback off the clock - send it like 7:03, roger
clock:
8:01
